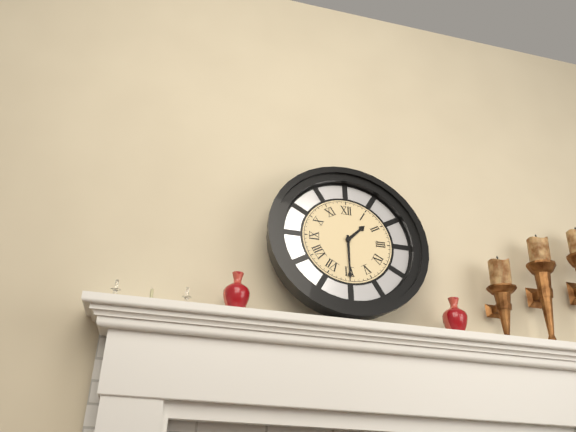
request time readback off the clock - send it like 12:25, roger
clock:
1:30
